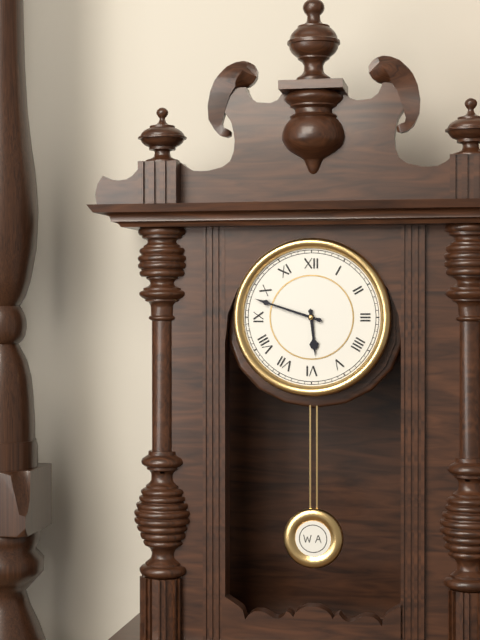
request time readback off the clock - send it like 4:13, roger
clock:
5:48
